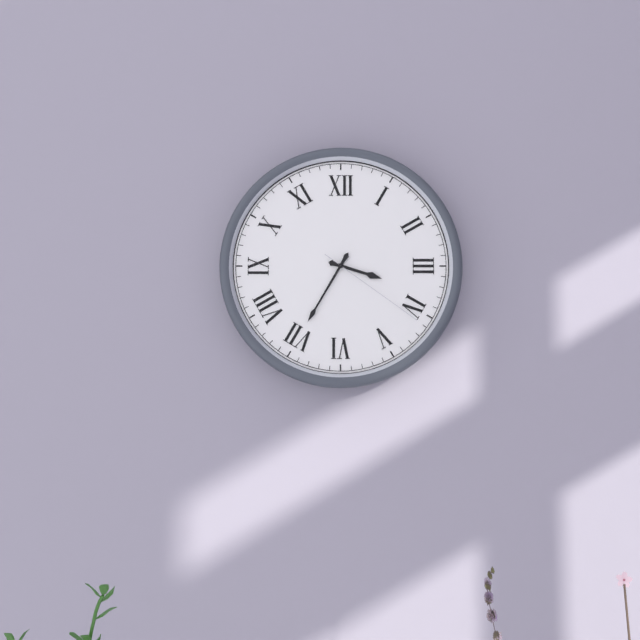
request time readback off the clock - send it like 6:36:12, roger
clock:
3:35:21
